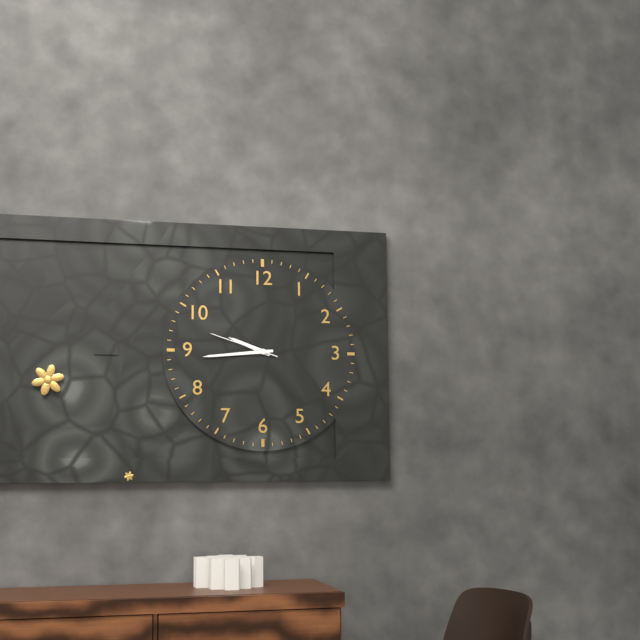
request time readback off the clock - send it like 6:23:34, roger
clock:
9:44:48
